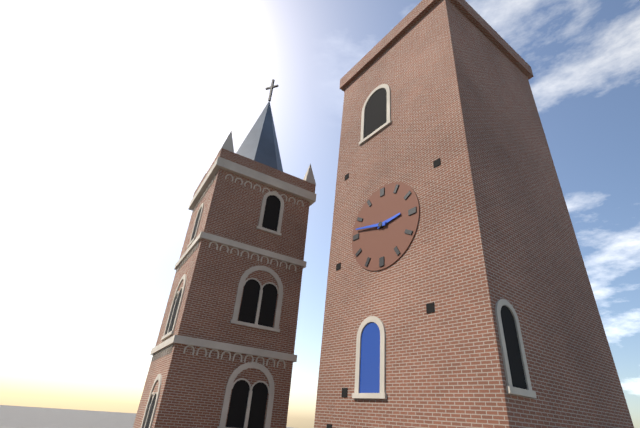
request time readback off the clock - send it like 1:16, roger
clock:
2:47
